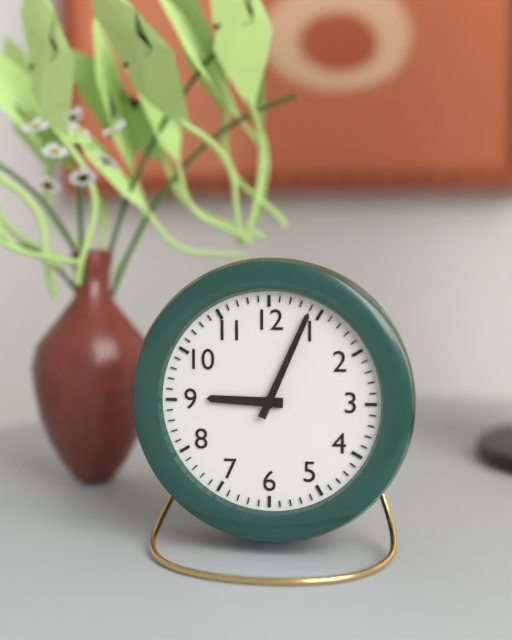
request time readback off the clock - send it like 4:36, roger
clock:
9:04
